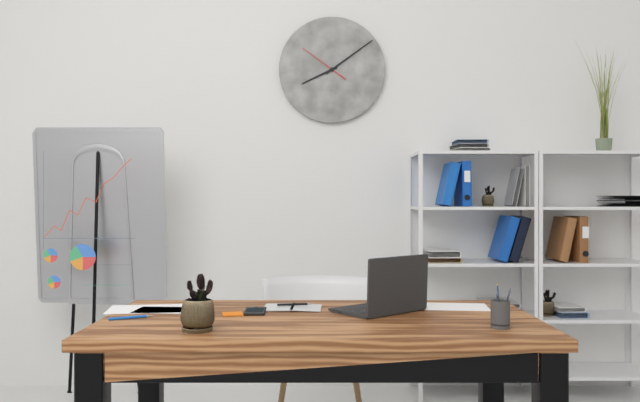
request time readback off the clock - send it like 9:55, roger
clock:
8:09
